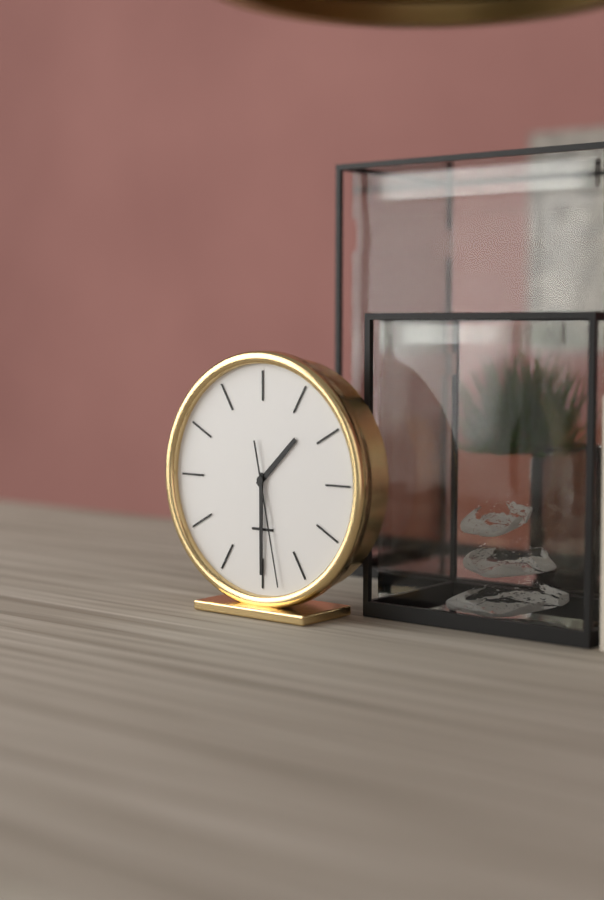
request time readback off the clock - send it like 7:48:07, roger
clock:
1:30:28
